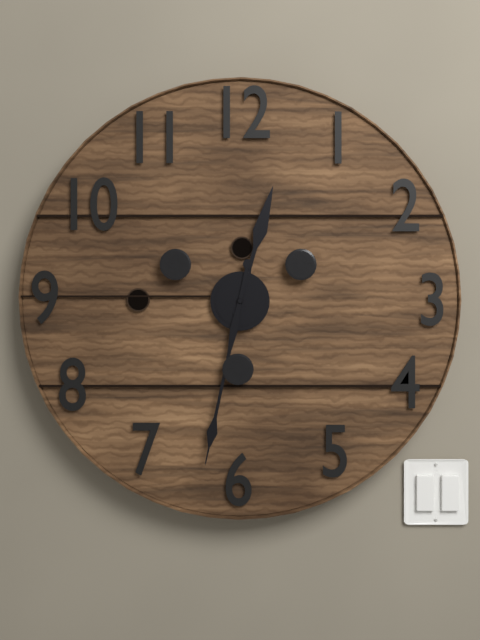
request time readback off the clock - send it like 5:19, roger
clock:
12:32
